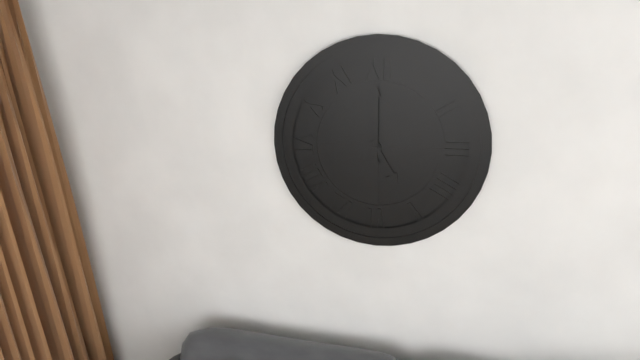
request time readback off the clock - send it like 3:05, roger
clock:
5:00
